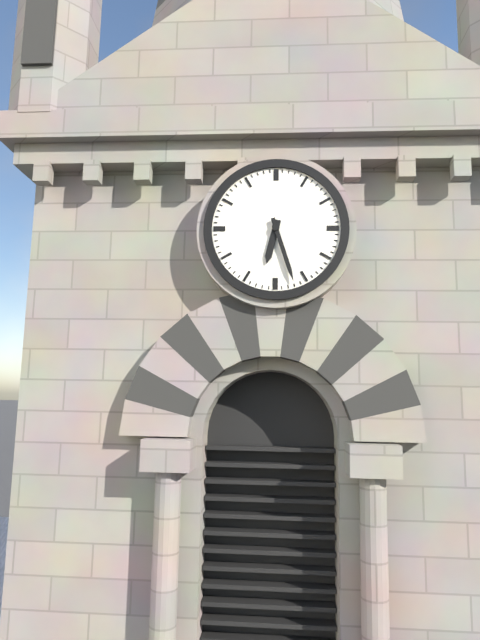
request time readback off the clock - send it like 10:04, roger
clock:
6:27
